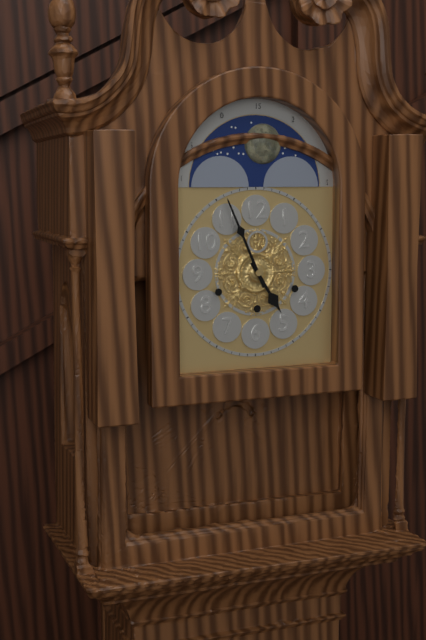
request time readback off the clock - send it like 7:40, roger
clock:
4:56
